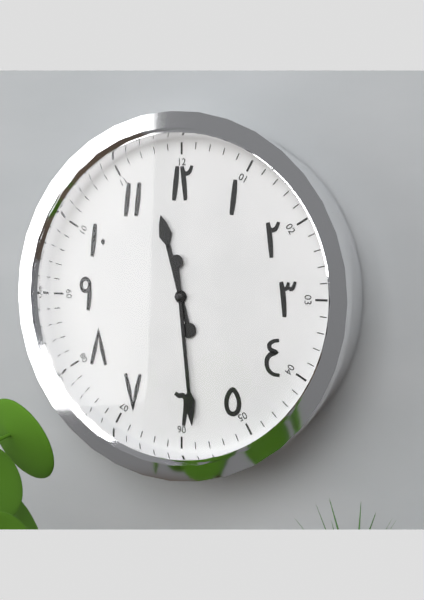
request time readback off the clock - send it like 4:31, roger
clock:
11:29
